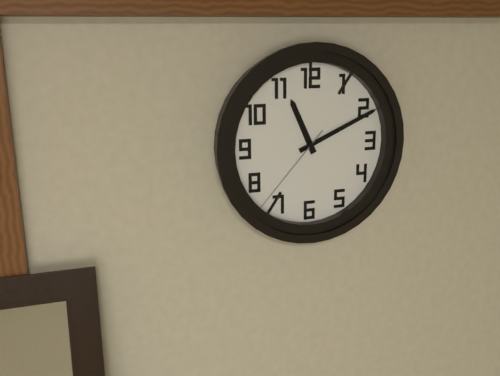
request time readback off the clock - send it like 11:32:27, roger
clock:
11:11:37
